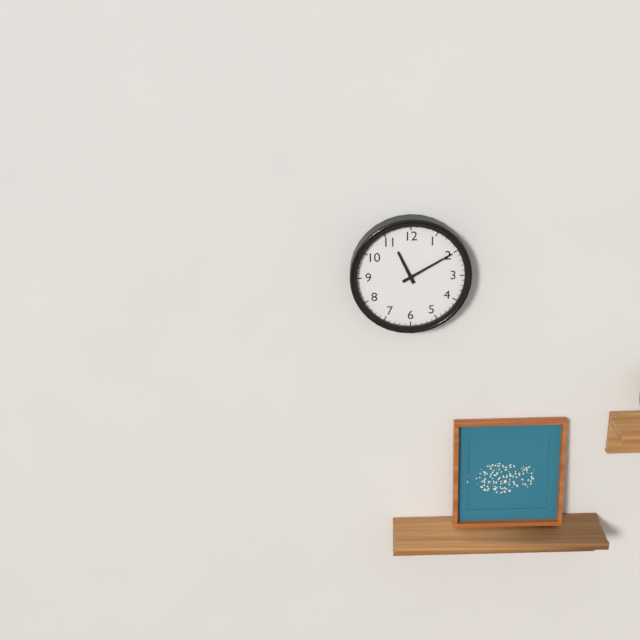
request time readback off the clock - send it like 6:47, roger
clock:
11:10
